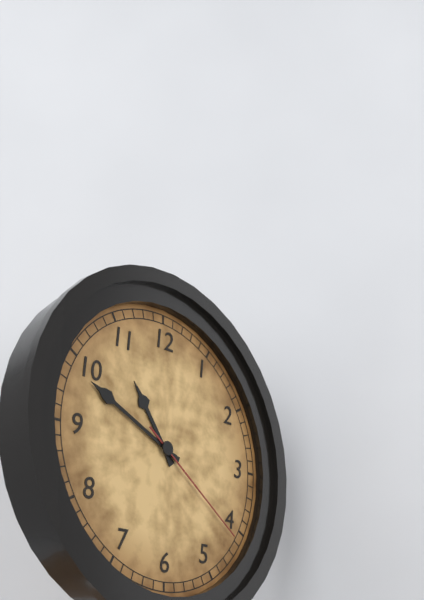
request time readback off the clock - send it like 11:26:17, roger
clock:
10:49:21
